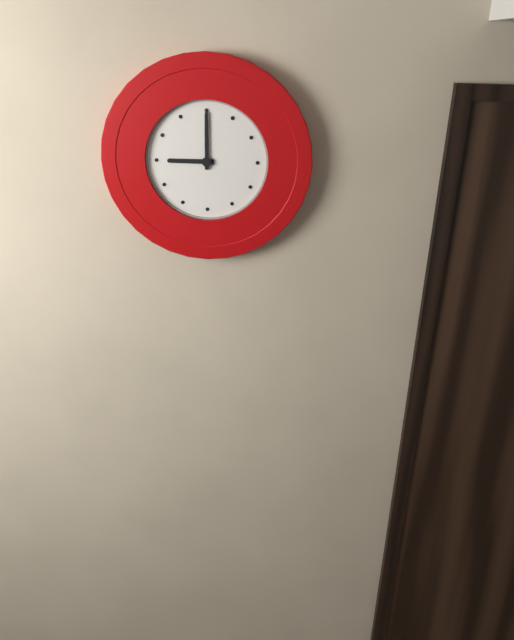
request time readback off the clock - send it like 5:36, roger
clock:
9:00
